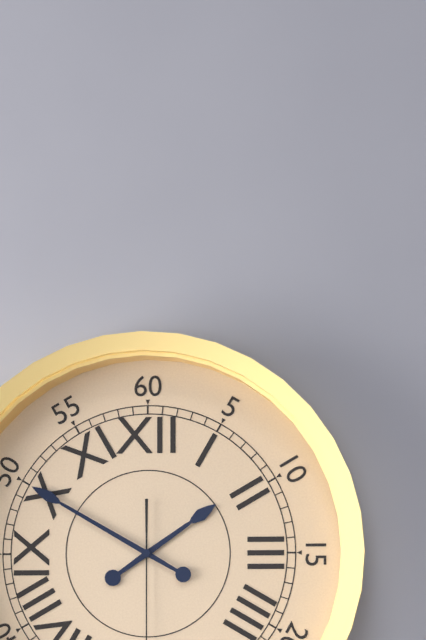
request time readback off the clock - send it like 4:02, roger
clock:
1:50
